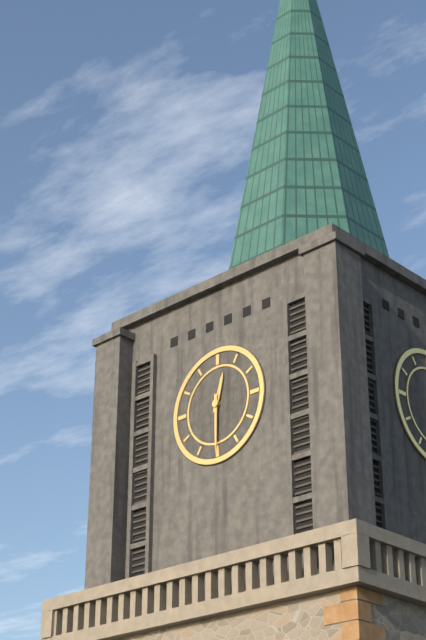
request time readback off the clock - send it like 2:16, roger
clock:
12:30
